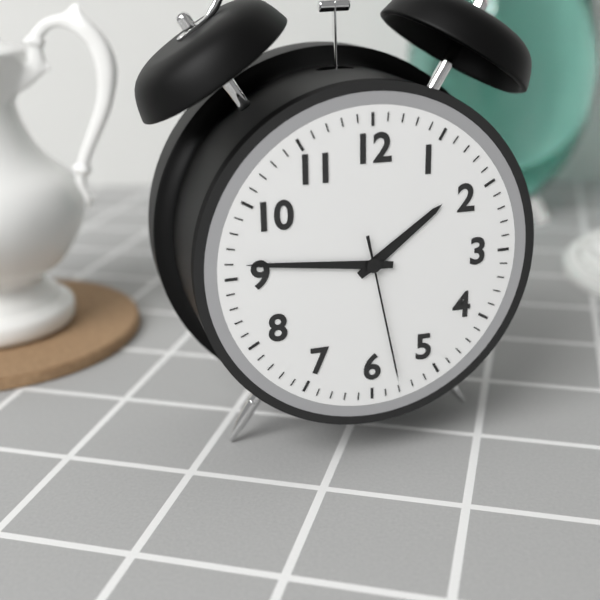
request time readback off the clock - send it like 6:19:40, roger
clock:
1:46:28
